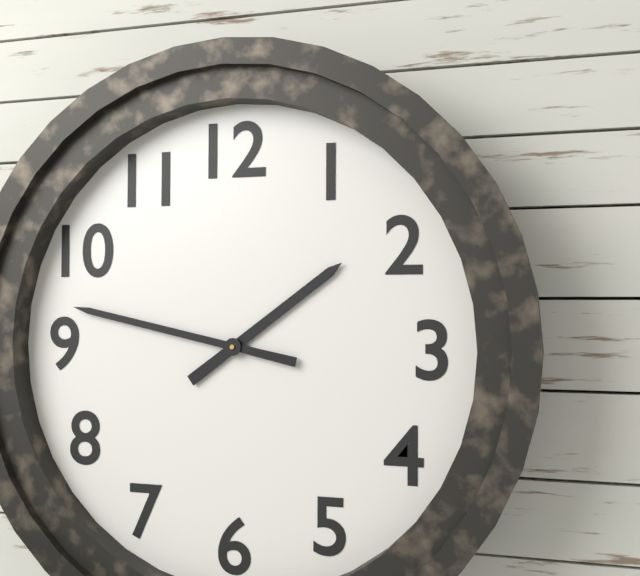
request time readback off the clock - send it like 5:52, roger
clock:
1:47
